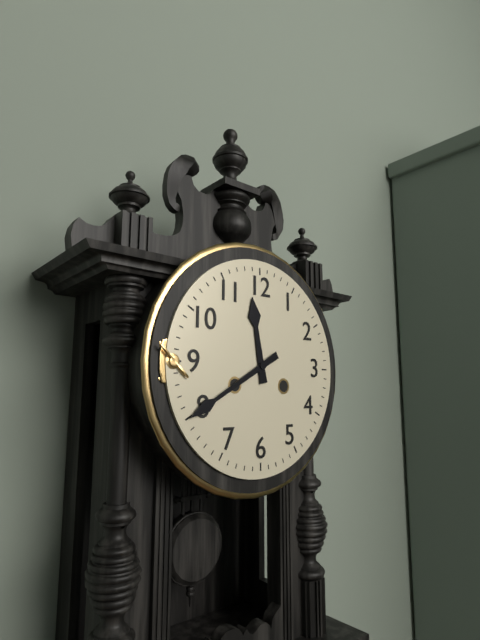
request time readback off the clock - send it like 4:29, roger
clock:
11:40
